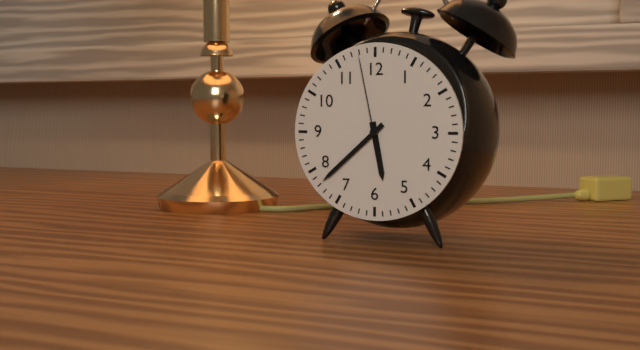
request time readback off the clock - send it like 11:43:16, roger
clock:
5:38:58
